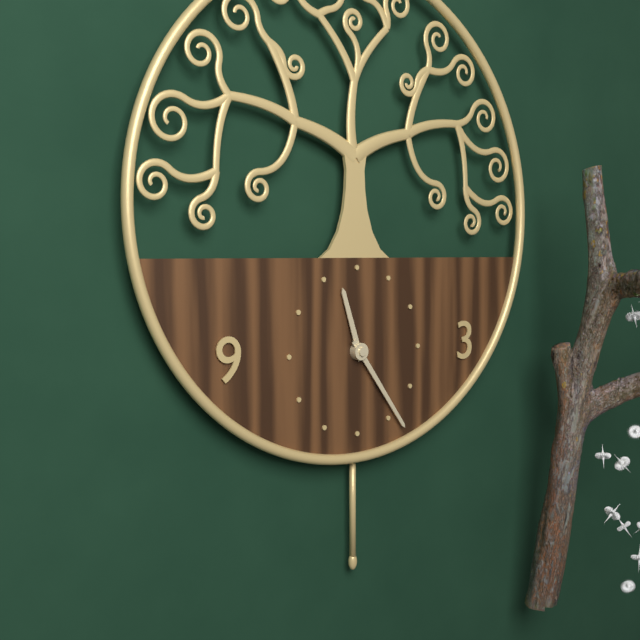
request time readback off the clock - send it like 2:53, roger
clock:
11:24
